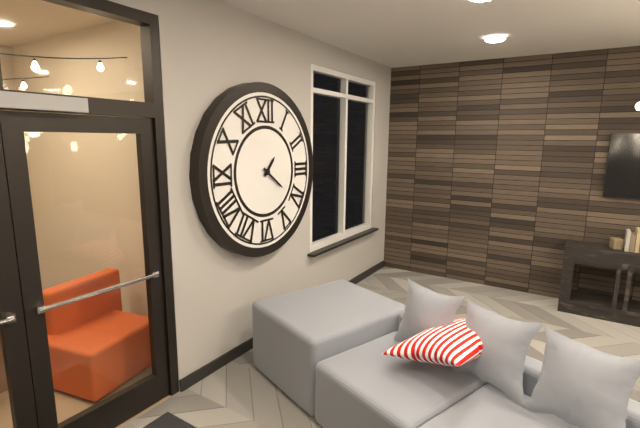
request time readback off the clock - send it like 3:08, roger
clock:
1:21
